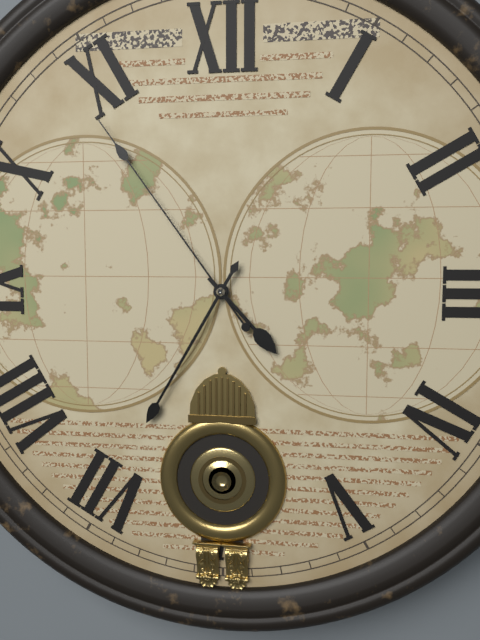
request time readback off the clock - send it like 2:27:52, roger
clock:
4:35:54
